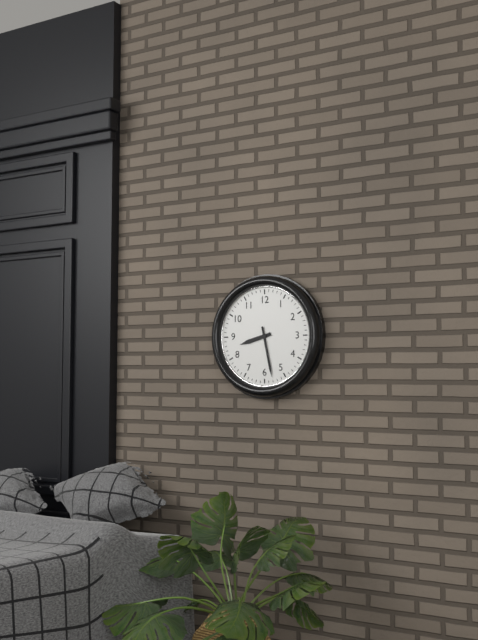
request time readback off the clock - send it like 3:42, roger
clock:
8:28
